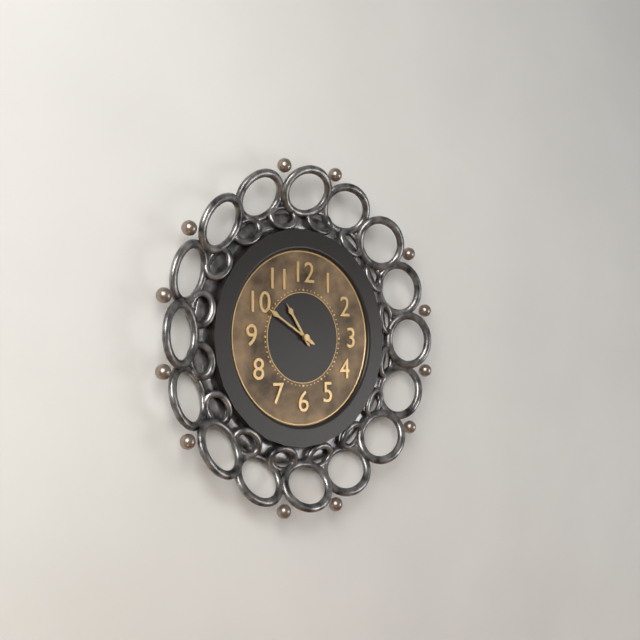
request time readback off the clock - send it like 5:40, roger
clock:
10:50
